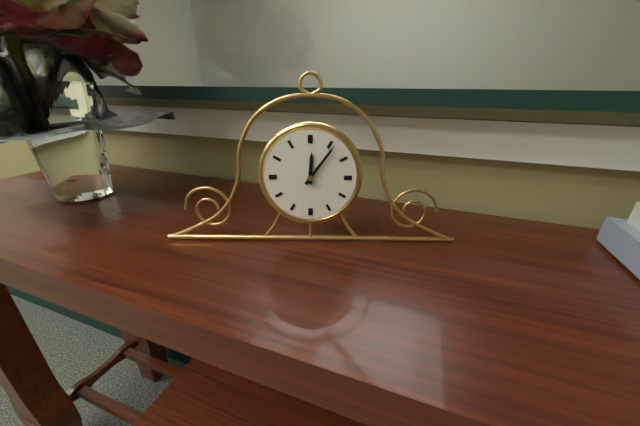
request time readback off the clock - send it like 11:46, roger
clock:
12:06
